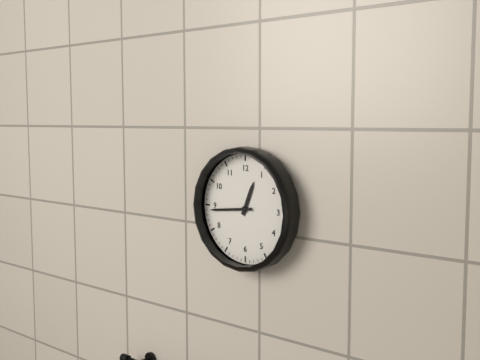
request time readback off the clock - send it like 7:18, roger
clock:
12:44
